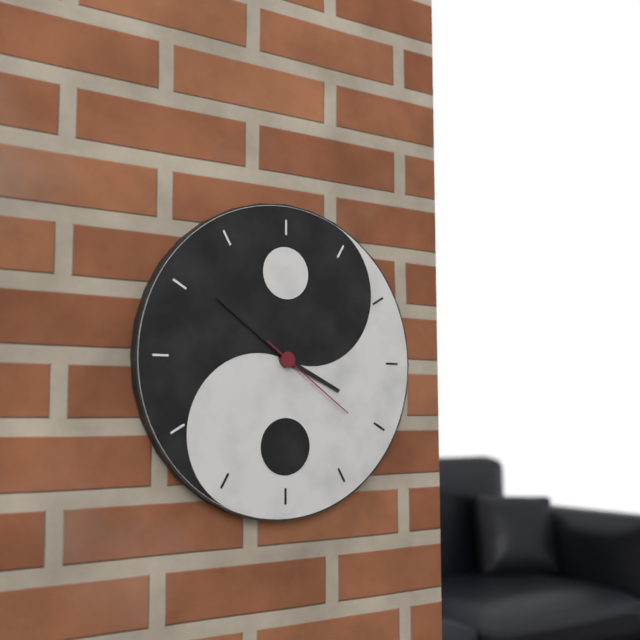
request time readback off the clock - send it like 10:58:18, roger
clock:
3:51:21
